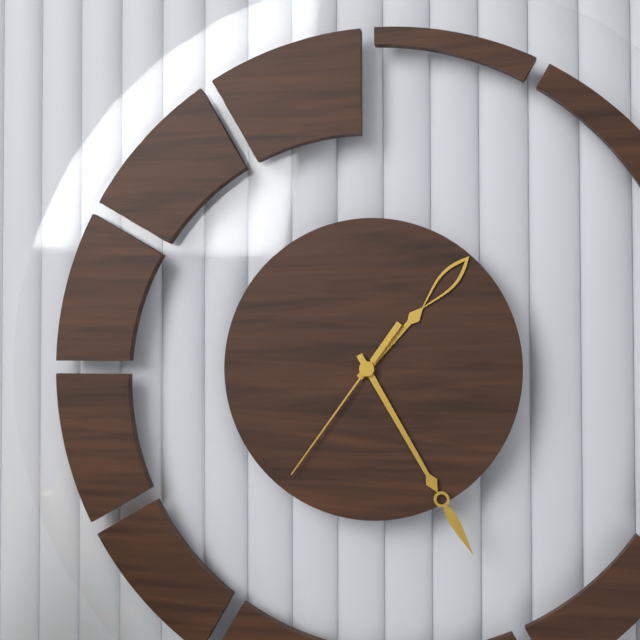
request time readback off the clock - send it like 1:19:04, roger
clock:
1:25:36
